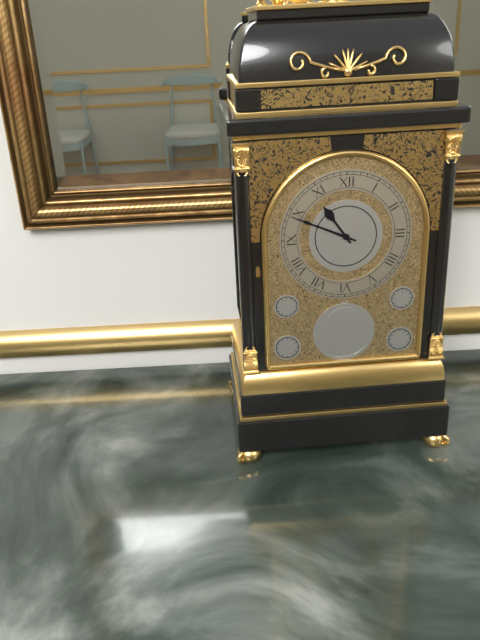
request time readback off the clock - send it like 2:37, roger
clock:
10:49
